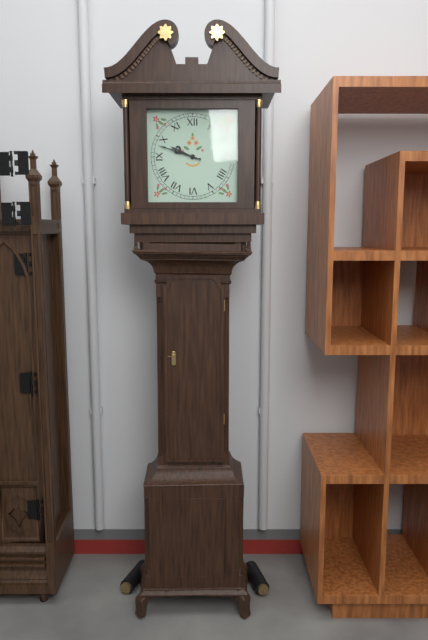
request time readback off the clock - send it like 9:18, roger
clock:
9:48
